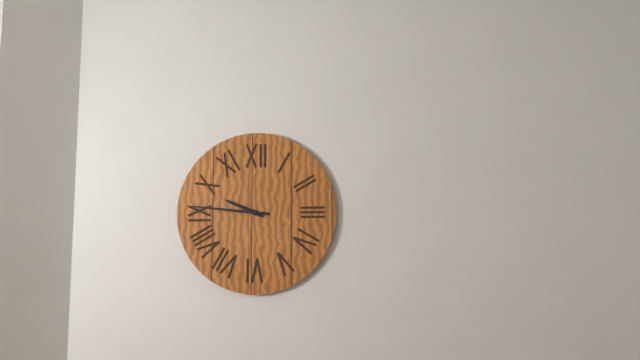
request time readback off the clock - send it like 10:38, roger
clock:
9:46
